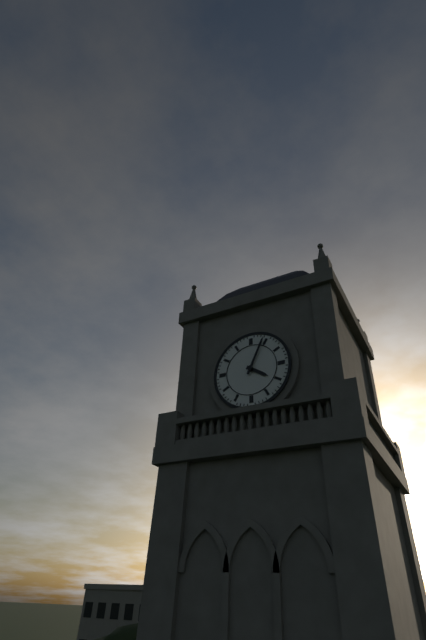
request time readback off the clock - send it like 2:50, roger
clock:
4:04
